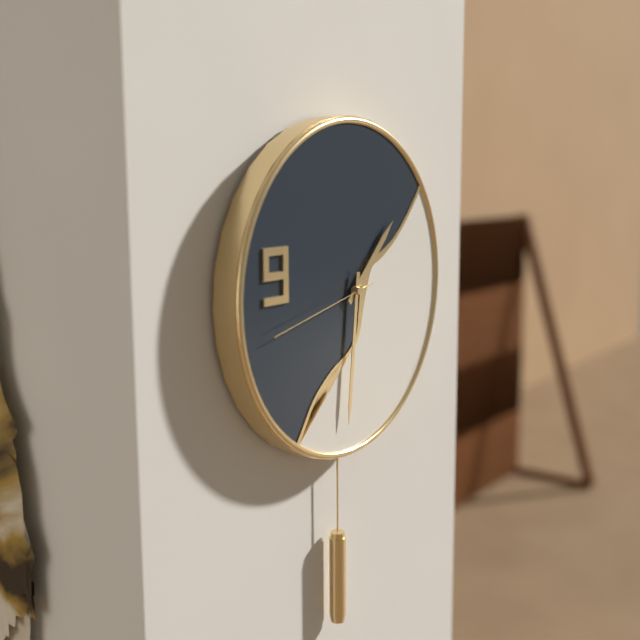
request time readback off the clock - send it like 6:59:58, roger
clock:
1:31:43
